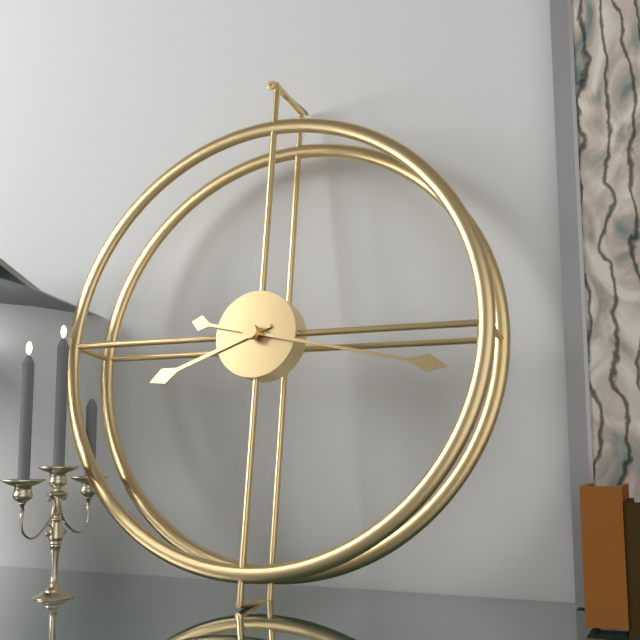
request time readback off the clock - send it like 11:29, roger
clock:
8:17
